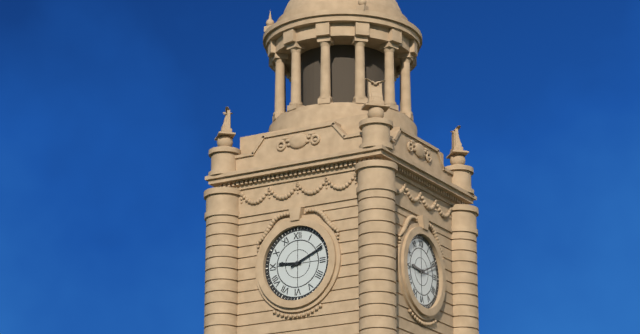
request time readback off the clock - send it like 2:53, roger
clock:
9:11
